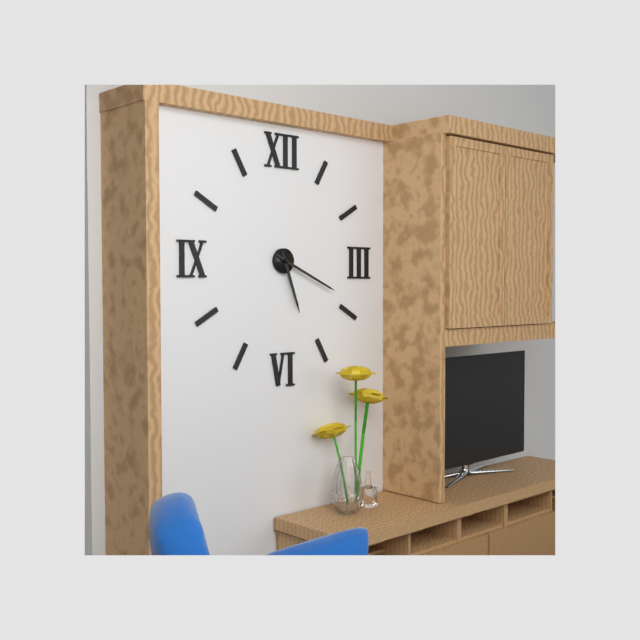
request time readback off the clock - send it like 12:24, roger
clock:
5:19
